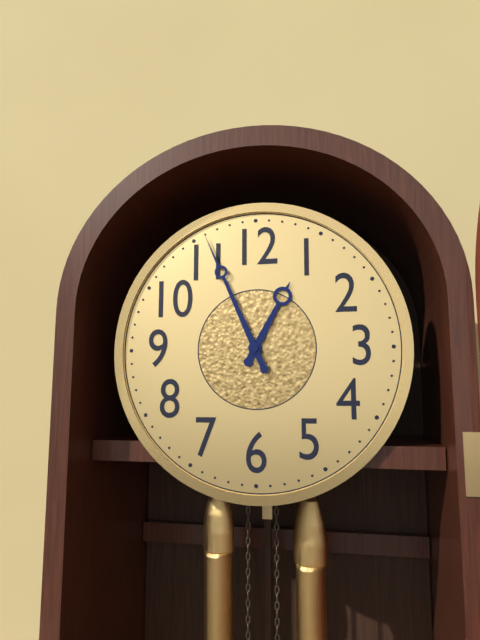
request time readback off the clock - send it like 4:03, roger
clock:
12:56
